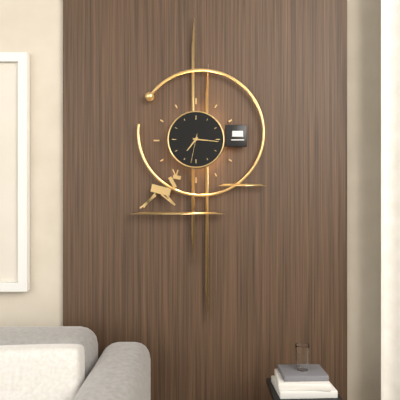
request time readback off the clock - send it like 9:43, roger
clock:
7:16
